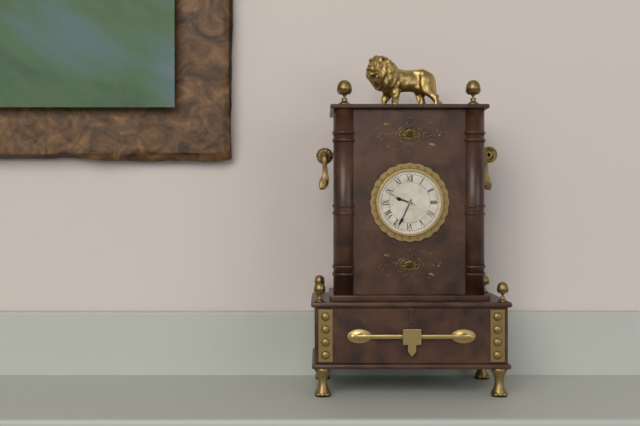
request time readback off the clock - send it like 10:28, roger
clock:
9:34
